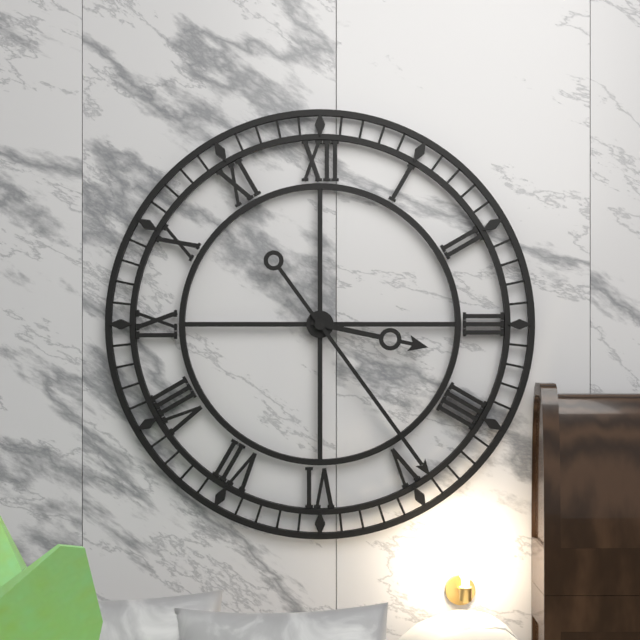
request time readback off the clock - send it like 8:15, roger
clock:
3:24
